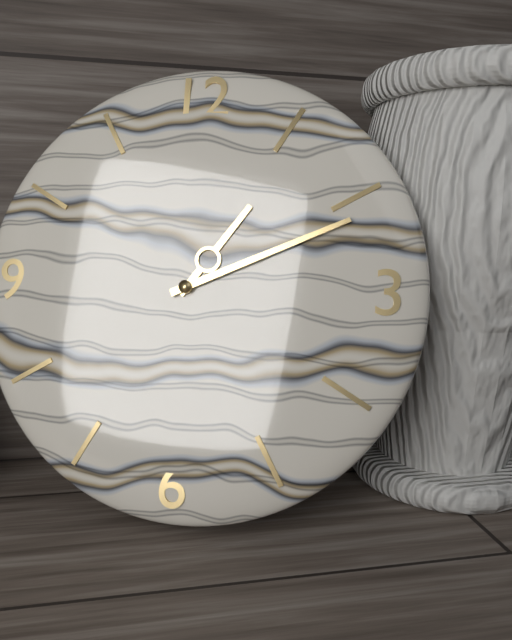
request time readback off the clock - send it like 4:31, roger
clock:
1:11
